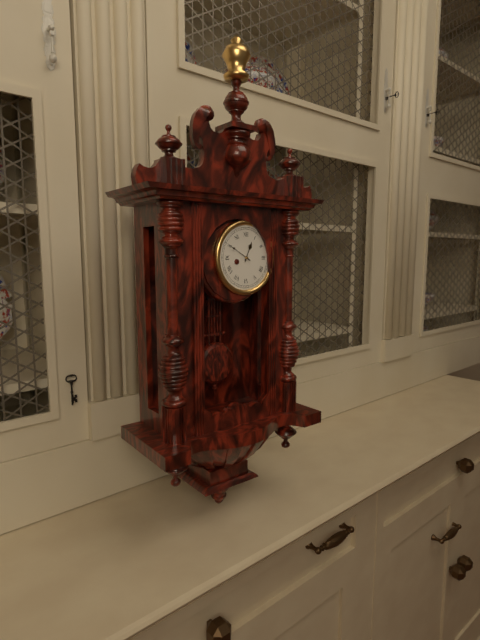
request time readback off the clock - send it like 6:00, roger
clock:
12:50
